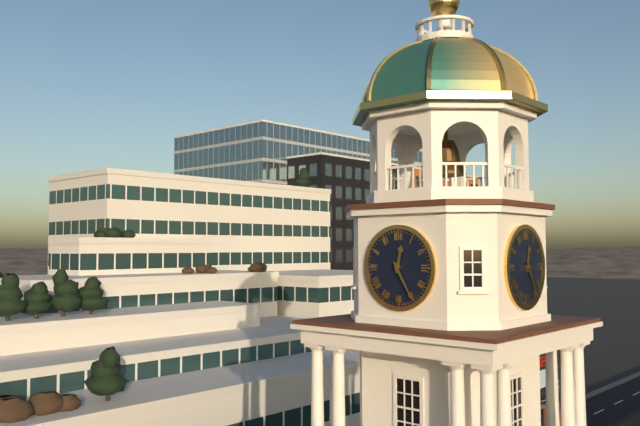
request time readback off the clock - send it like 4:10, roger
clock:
12:25
